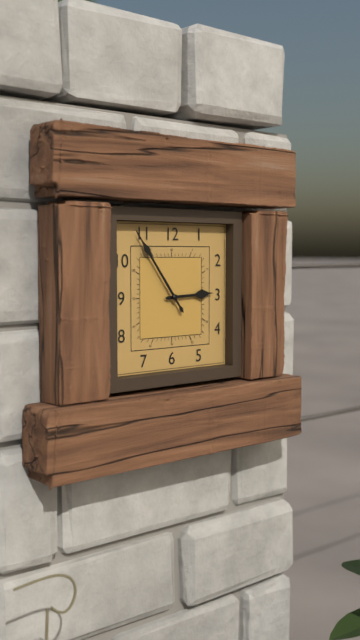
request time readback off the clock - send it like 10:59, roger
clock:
2:54
